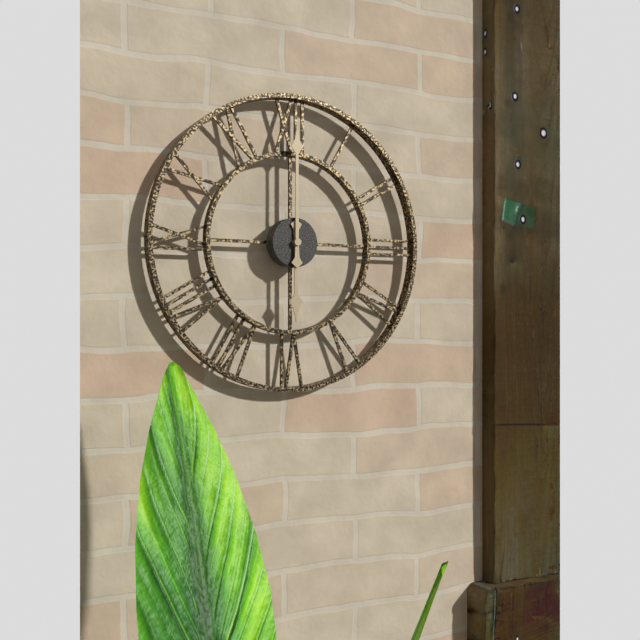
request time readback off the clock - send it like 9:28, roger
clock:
6:00
